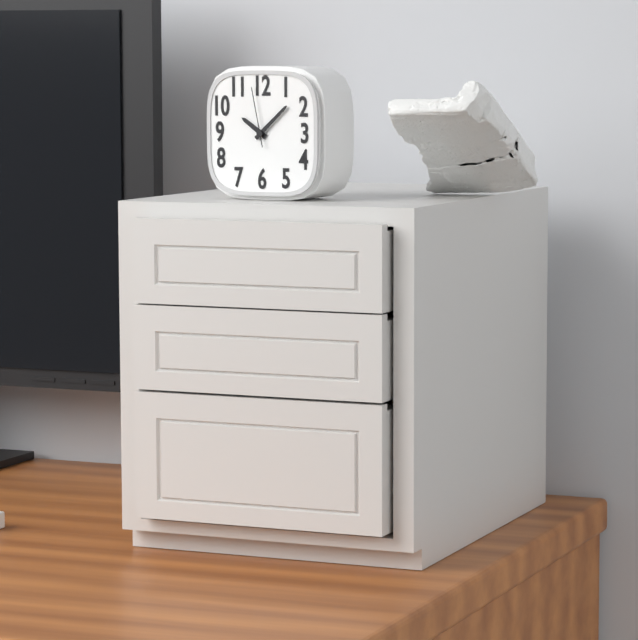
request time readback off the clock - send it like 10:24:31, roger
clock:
10:08:58
